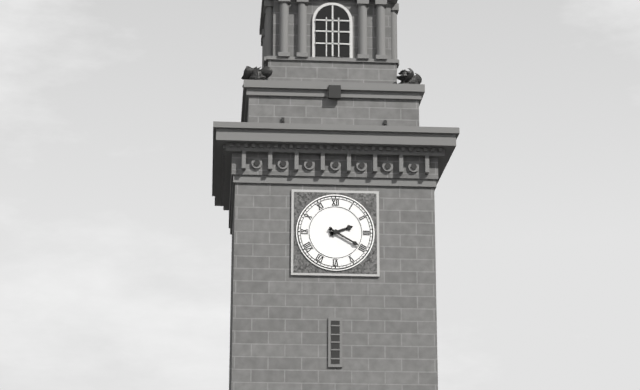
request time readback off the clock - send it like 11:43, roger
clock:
2:20
